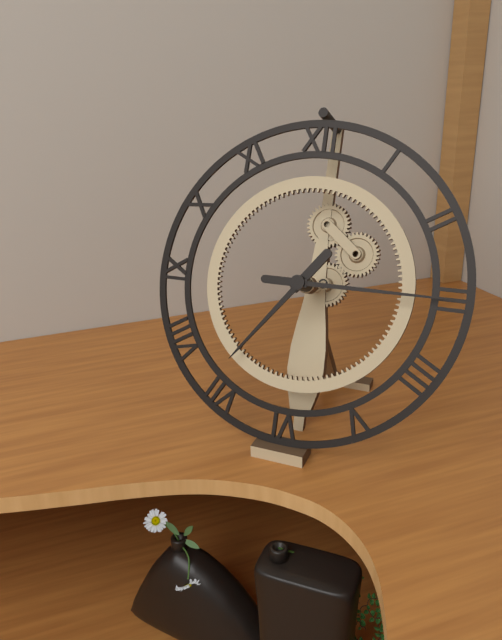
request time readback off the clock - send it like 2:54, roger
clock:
7:15
